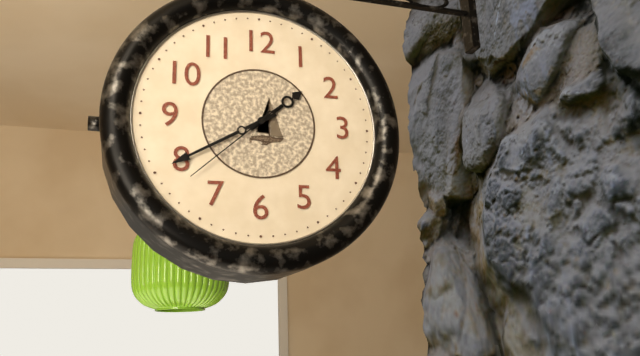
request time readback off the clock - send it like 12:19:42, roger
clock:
1:40:38
